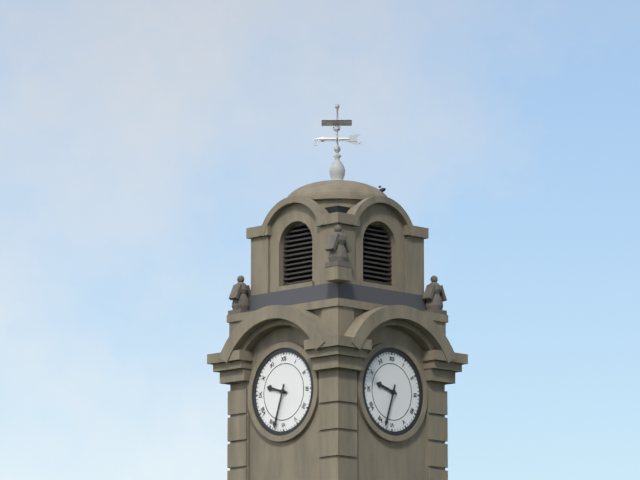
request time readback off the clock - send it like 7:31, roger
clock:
9:33
